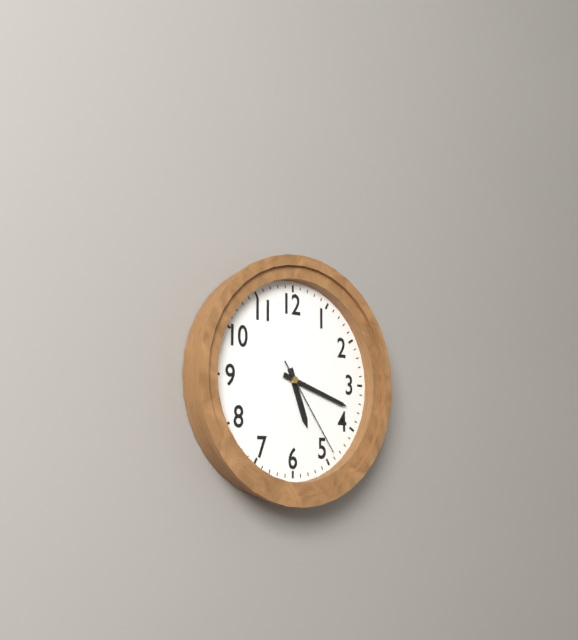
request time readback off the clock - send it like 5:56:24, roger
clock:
5:18:24
